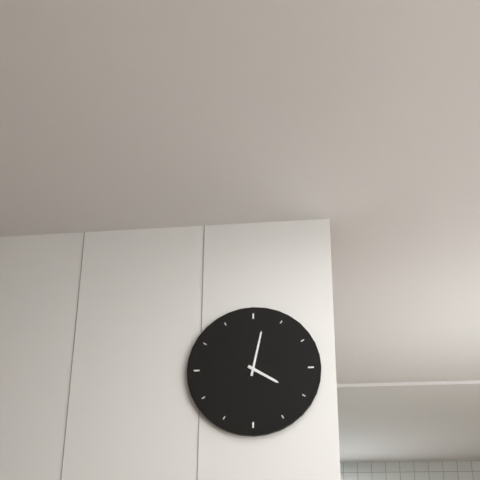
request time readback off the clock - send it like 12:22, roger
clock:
4:02
